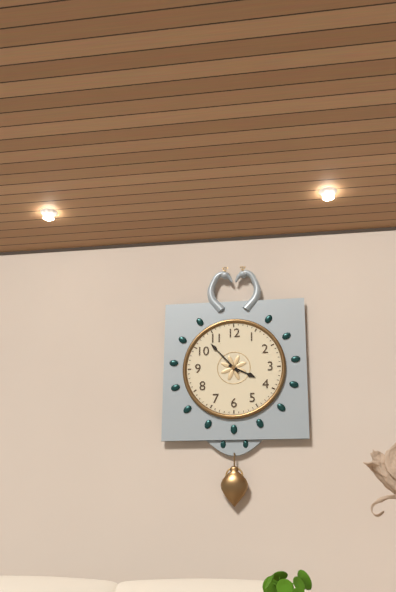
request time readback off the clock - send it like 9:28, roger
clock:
3:53
